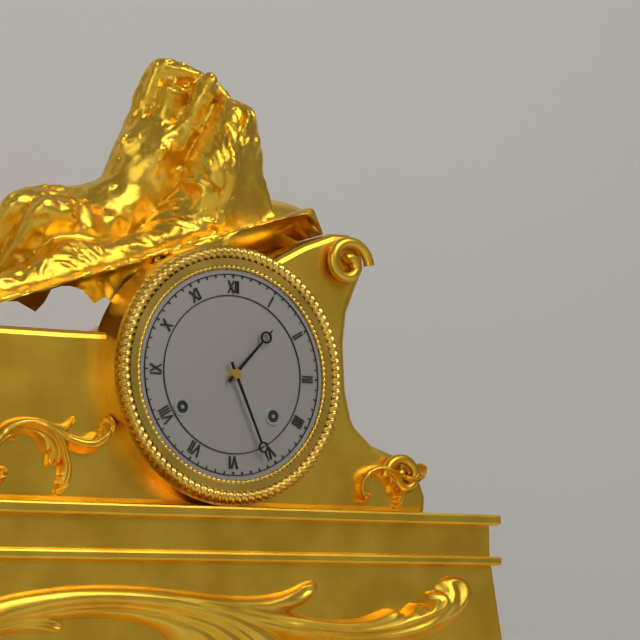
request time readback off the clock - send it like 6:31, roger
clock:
1:26
